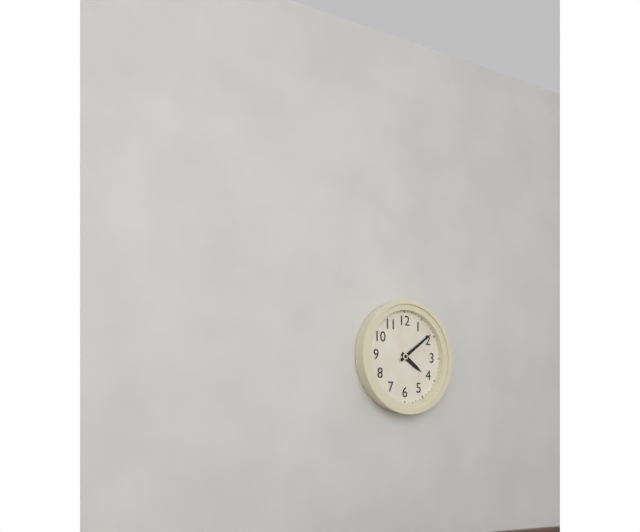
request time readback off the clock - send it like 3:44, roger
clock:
4:09
